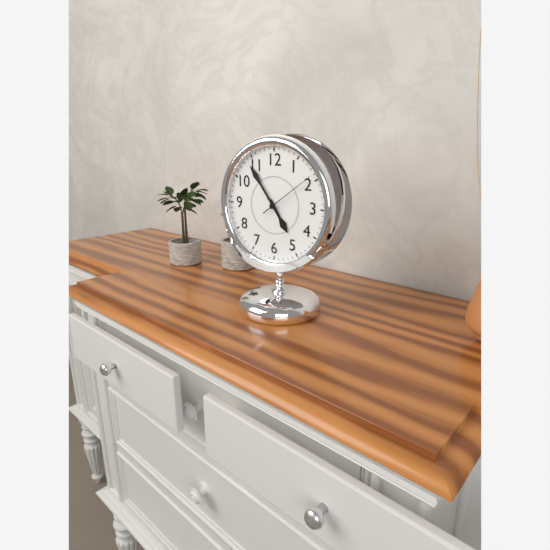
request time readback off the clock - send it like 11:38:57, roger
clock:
4:54:09
